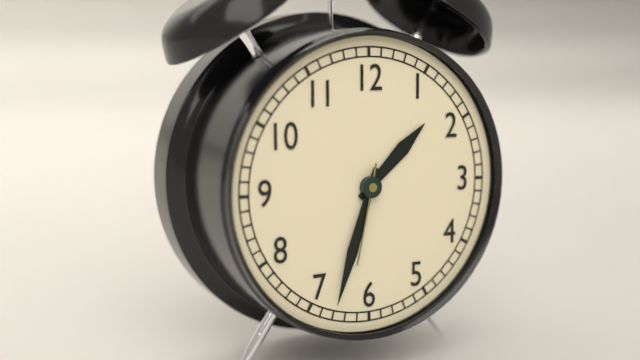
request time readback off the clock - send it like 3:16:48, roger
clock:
1:33:32
